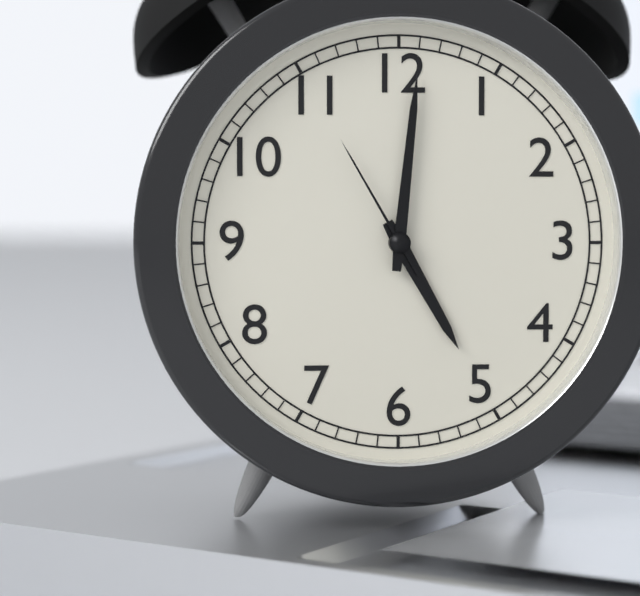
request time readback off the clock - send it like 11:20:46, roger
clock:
5:01:55
